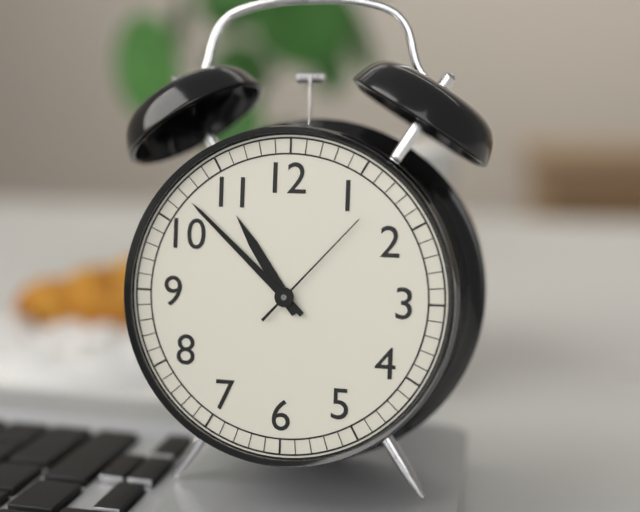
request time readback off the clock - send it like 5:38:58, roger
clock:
10:52:07
